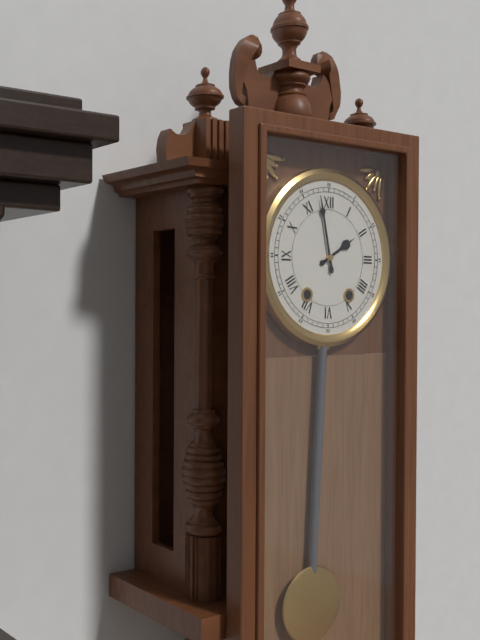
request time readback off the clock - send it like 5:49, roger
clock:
1:58
